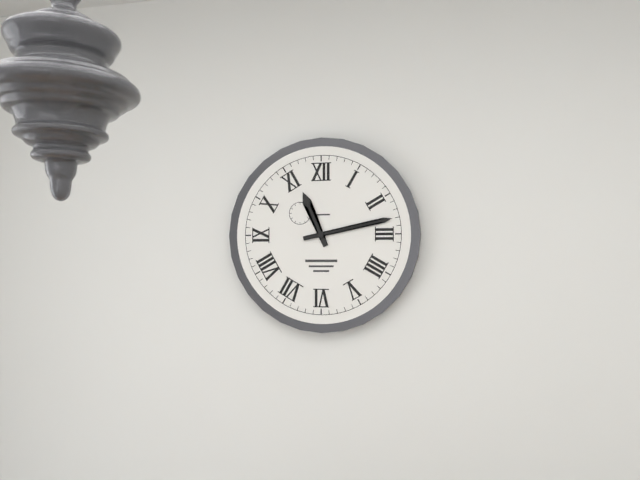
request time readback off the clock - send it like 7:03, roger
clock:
11:13
